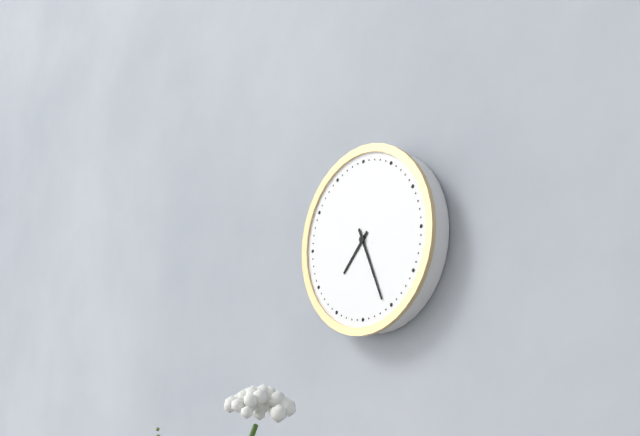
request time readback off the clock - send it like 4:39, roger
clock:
7:26
